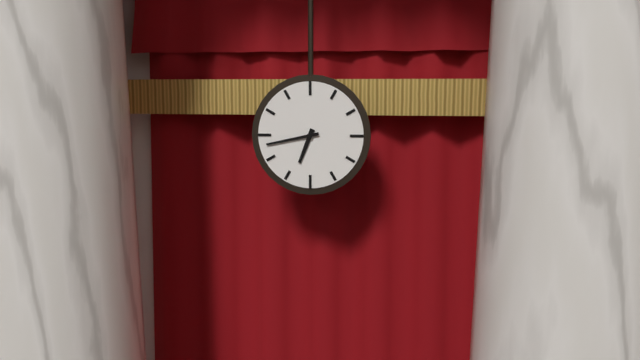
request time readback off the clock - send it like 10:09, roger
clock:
6:43
